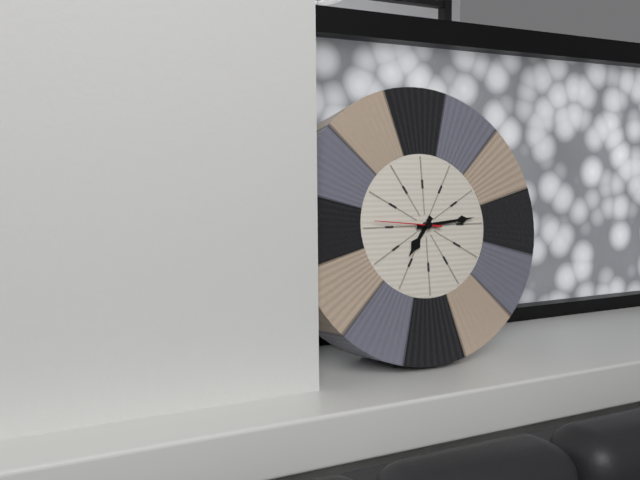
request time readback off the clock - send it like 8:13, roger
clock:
7:14
